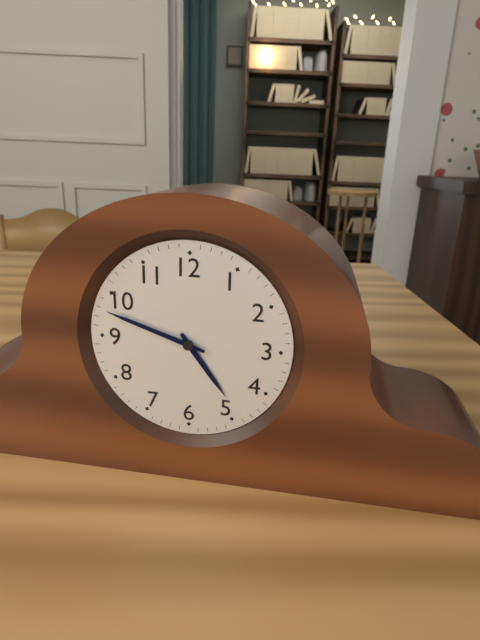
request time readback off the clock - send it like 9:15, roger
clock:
4:48
